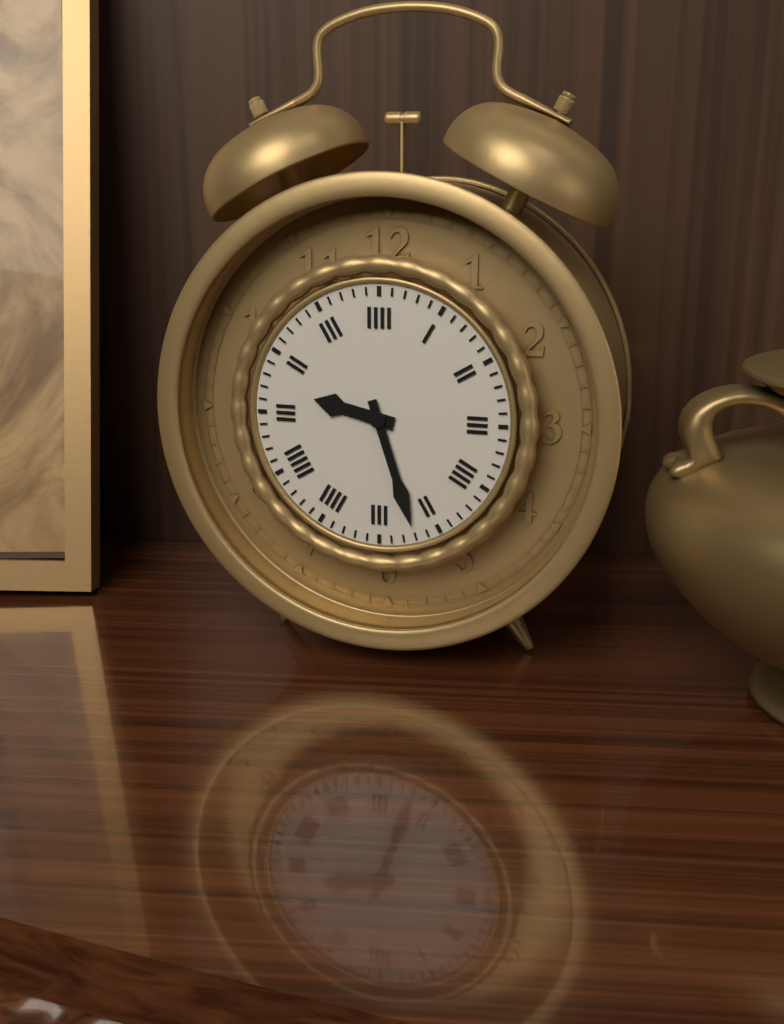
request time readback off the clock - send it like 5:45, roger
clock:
9:27
